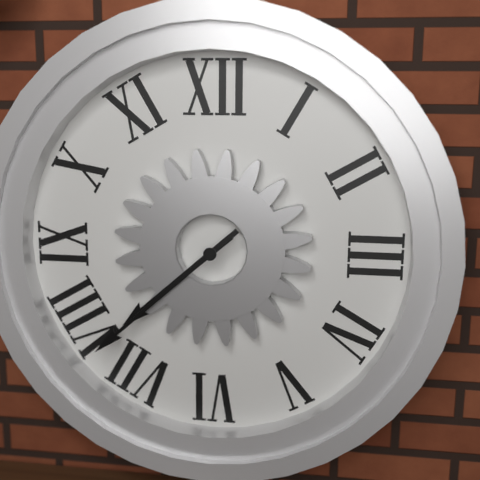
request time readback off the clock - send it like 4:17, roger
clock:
7:38
